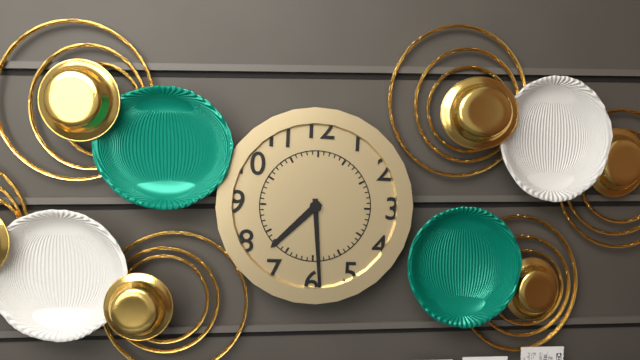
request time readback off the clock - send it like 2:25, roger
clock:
7:29
